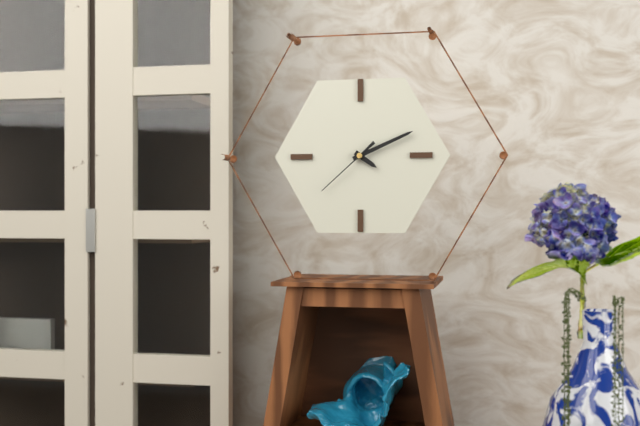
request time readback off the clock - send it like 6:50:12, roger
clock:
4:11:38
